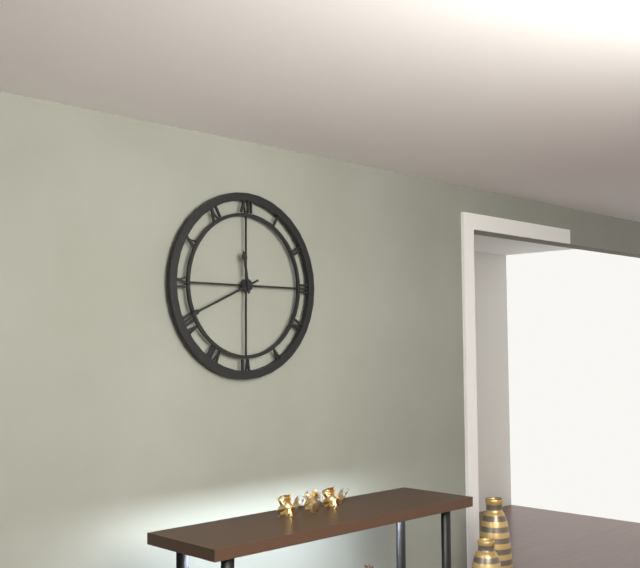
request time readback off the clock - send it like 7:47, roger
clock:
11:41
